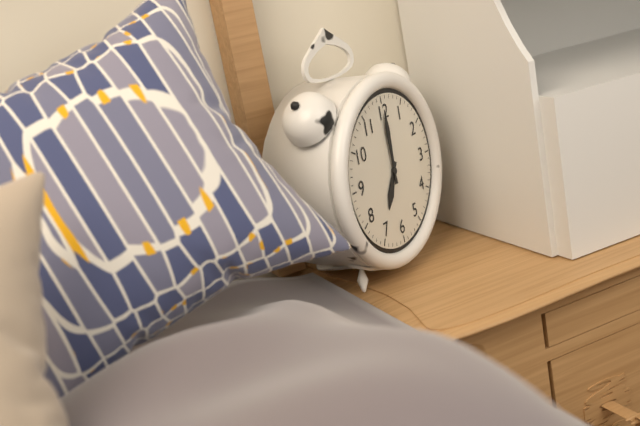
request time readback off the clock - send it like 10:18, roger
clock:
7:00
